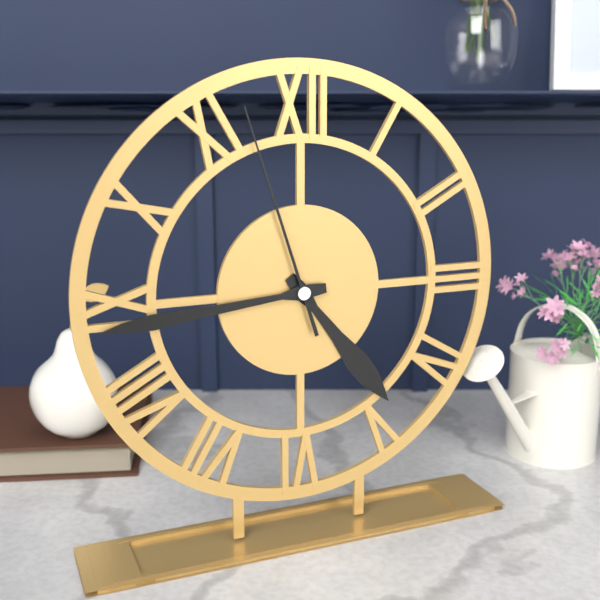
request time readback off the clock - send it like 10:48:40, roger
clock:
4:44:57
